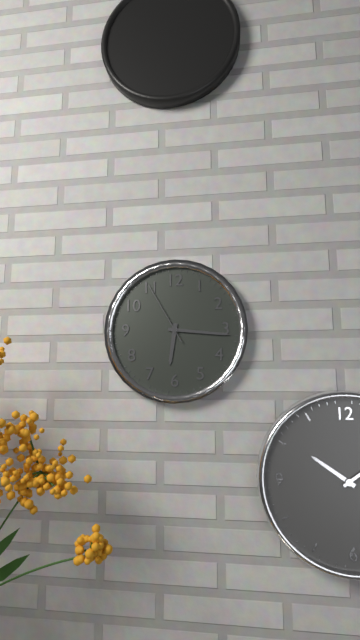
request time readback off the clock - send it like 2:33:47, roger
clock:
6:16:55
